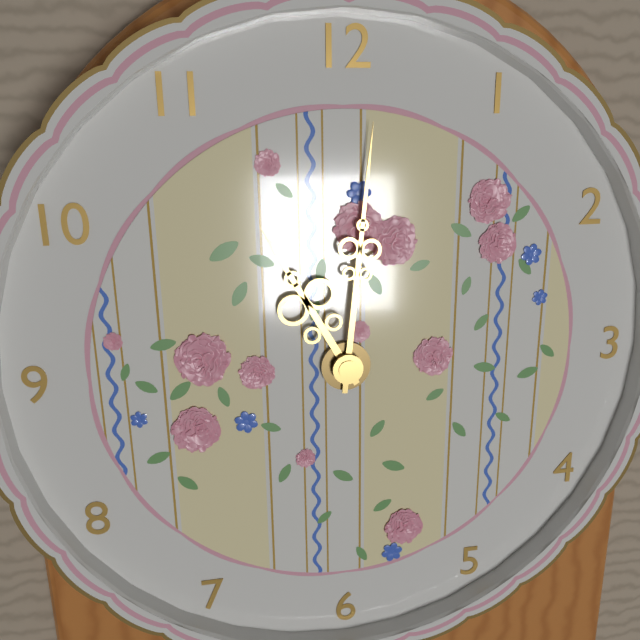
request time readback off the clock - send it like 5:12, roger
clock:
11:01
